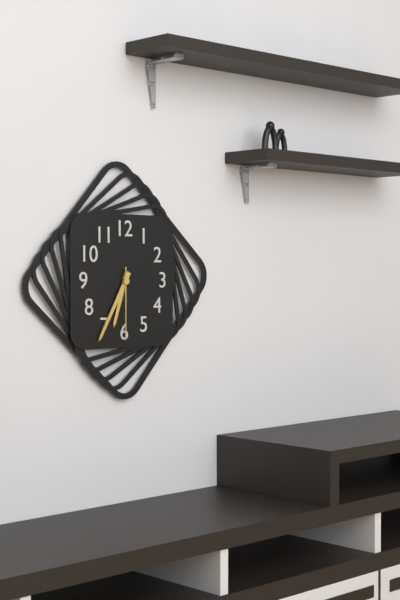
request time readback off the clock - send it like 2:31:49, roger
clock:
6:35:30
